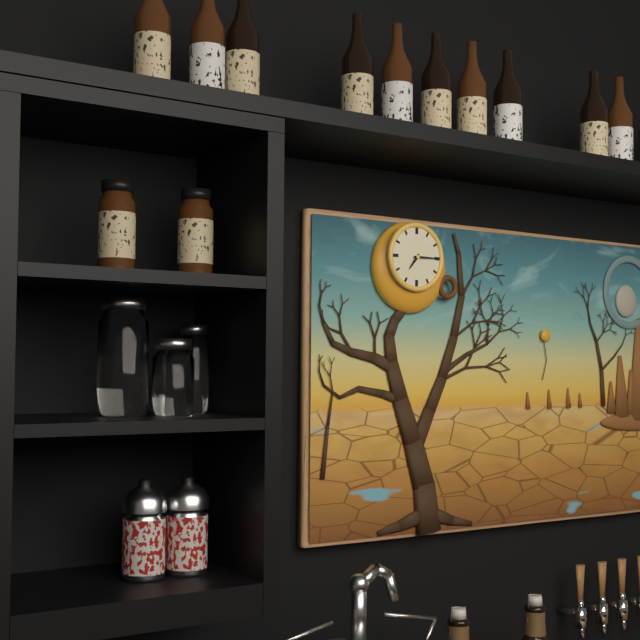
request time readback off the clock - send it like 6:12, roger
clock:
7:15
